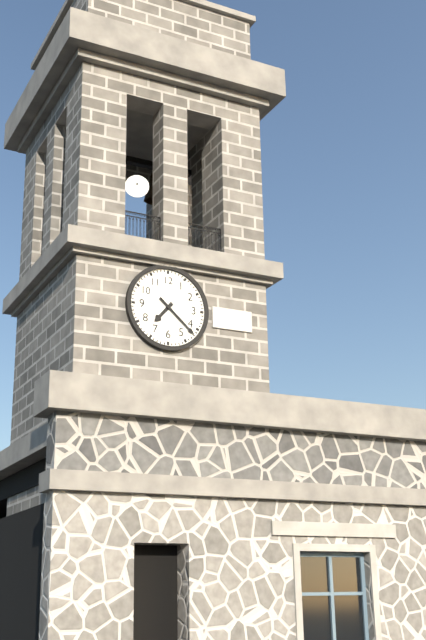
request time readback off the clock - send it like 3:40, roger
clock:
7:22
